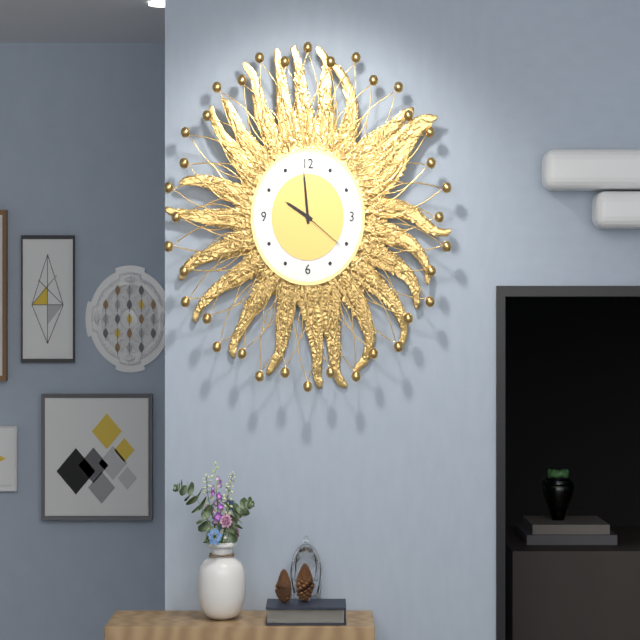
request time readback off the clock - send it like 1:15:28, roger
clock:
9:59:21
